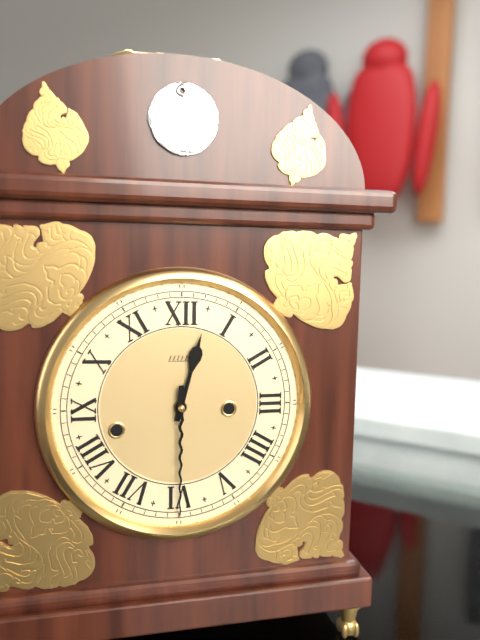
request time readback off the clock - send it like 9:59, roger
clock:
12:30
